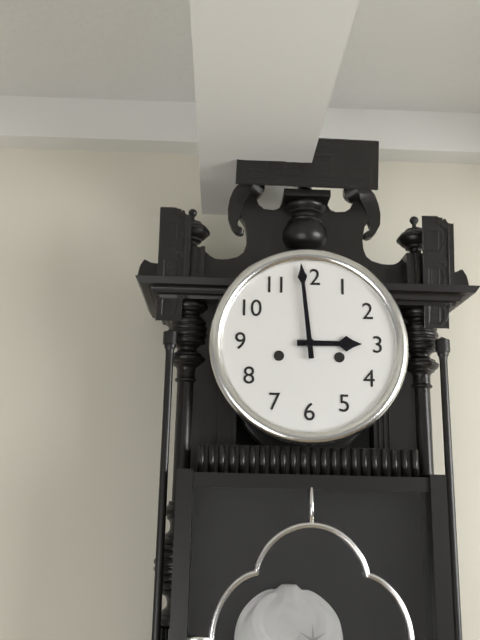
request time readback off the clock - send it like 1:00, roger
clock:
2:59
